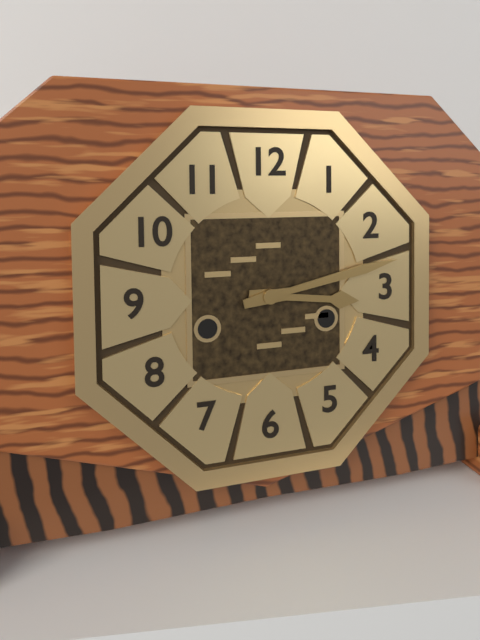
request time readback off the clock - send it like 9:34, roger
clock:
3:13
